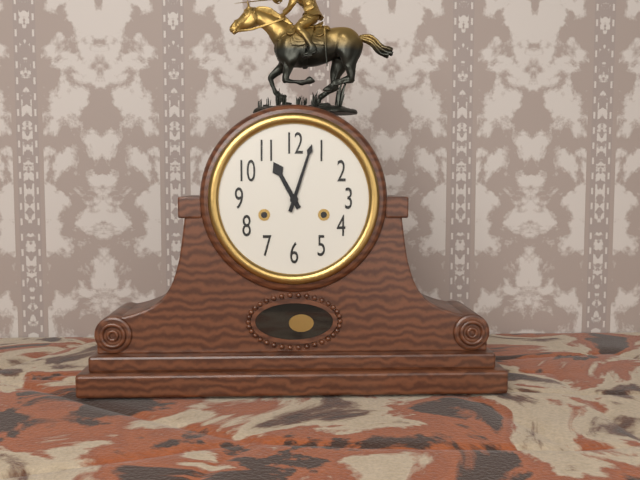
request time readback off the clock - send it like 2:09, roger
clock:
11:03
